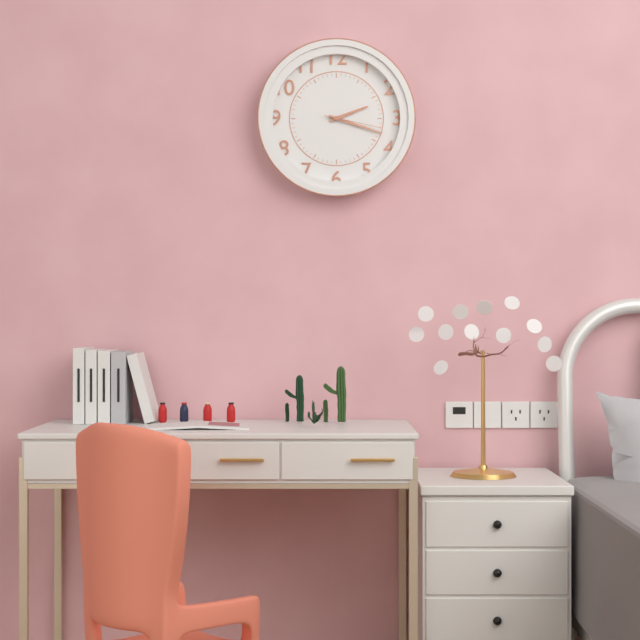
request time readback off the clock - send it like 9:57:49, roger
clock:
2:18:17
